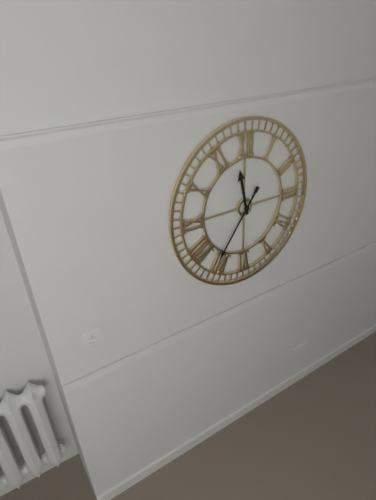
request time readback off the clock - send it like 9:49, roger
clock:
11:36
